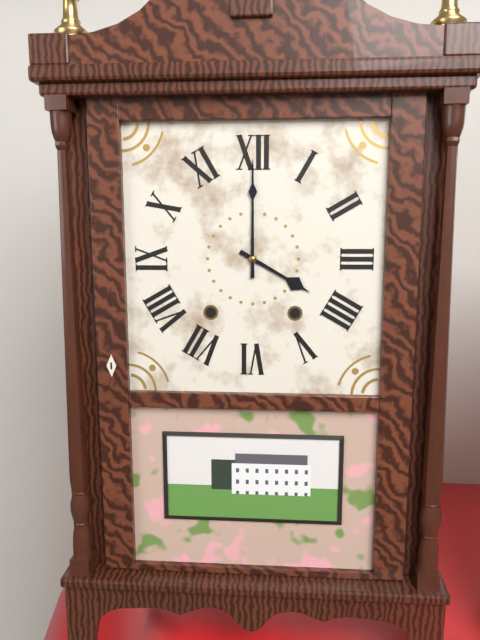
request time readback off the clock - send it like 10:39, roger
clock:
4:00
